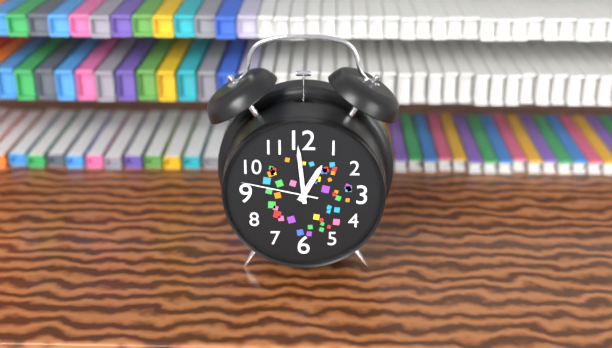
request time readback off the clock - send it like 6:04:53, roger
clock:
12:59:47
